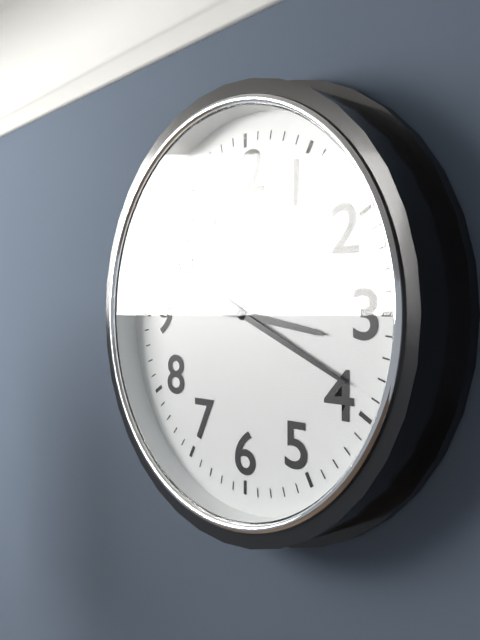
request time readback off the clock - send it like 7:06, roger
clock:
3:19
